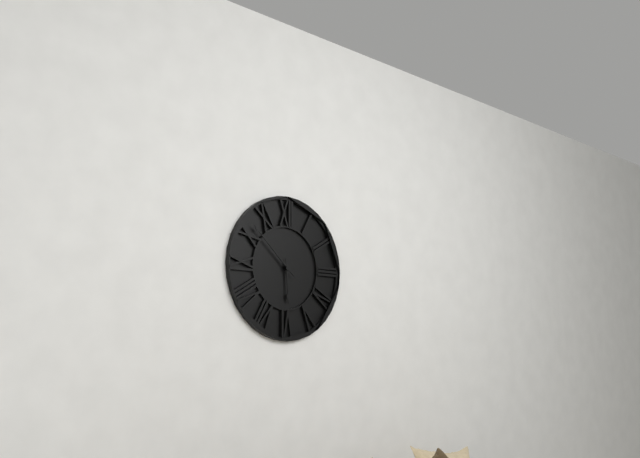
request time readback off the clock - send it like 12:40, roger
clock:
5:52
